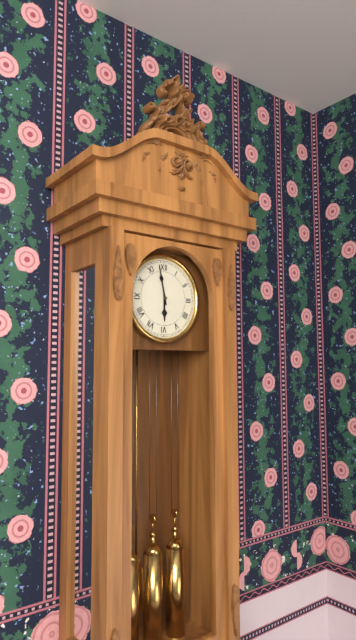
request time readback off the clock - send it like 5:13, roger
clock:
5:58
